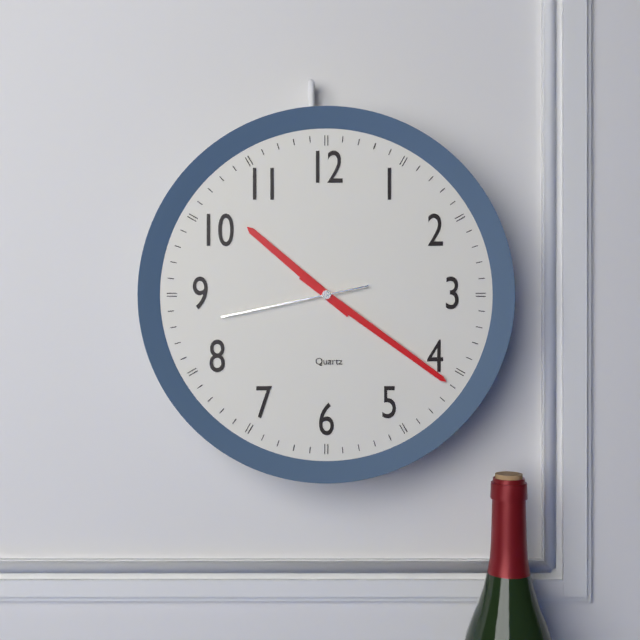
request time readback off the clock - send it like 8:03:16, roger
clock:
10:21:43
